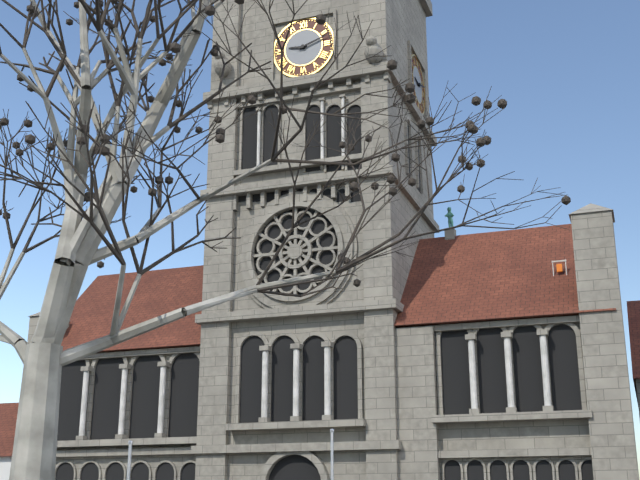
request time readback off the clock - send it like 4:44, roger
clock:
9:12
